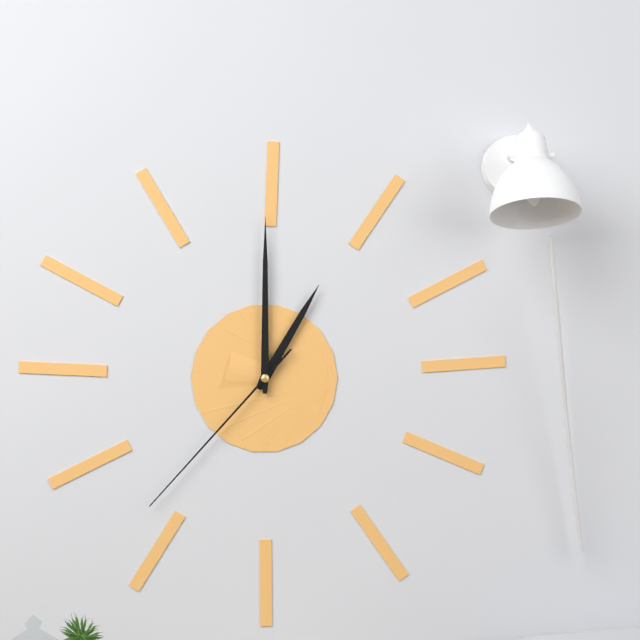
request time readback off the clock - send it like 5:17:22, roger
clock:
1:00:37
